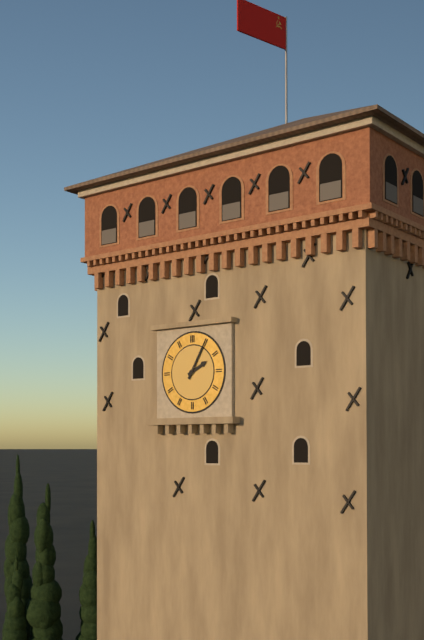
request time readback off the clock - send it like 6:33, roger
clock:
2:05
